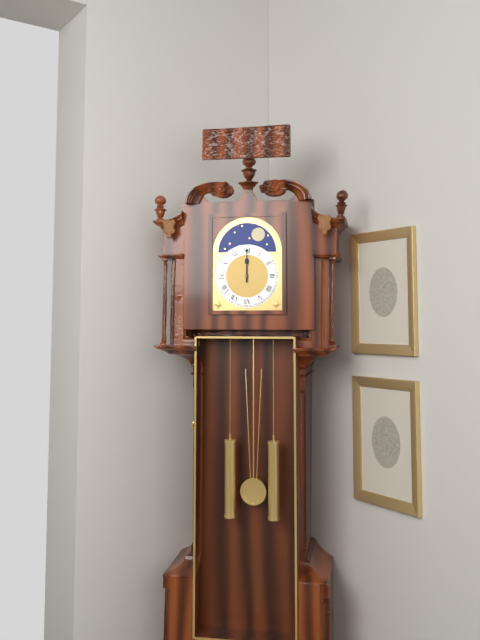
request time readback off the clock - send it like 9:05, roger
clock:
12:00
